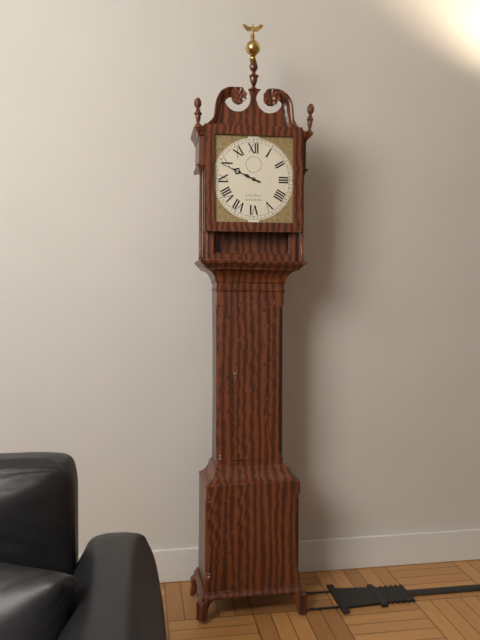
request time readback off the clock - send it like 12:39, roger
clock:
9:49
